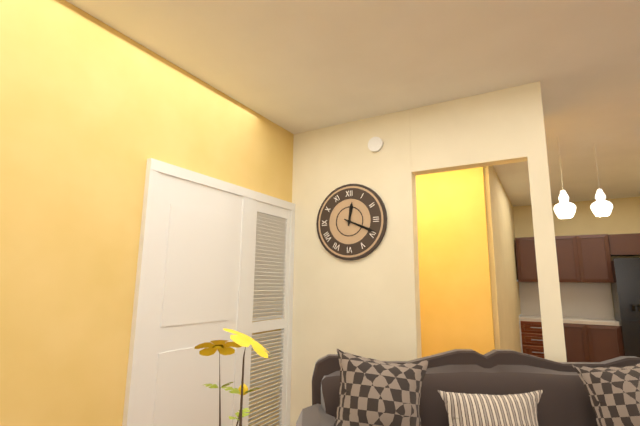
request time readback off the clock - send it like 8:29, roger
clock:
12:19
